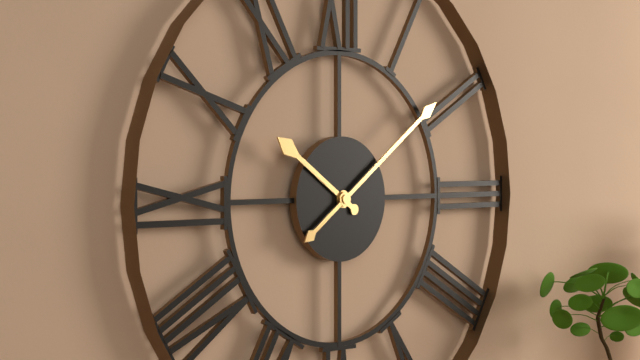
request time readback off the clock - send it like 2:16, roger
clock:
10:09
